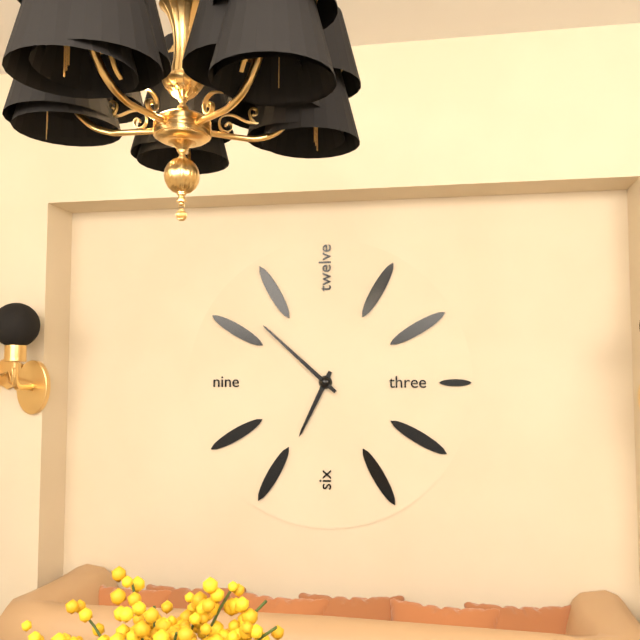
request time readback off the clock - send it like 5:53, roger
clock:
6:52
